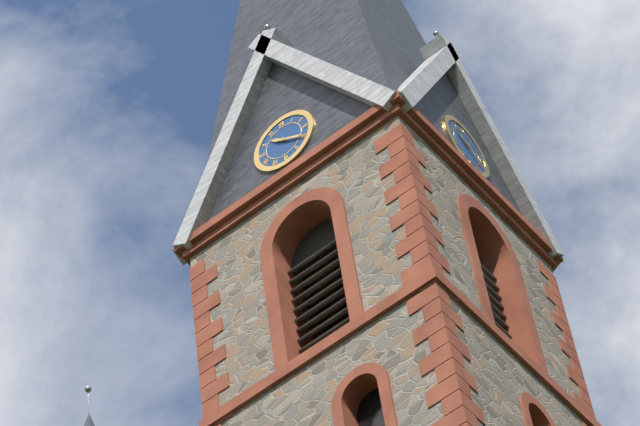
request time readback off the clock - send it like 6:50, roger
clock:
10:20
